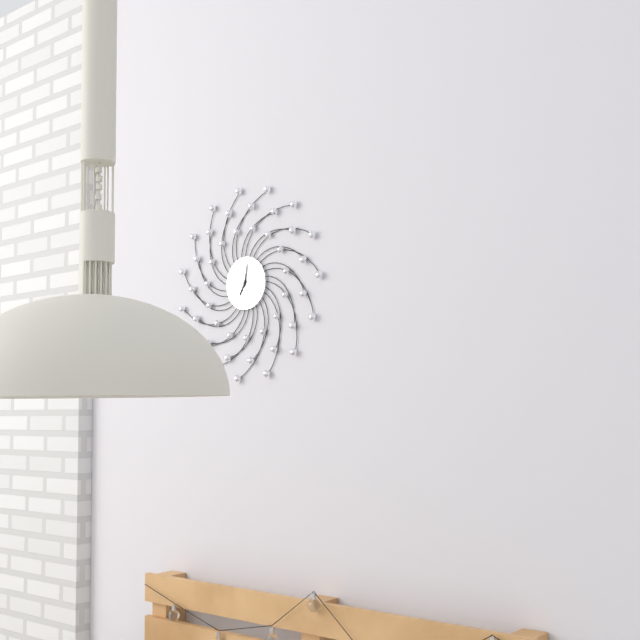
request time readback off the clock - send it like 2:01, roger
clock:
7:02
